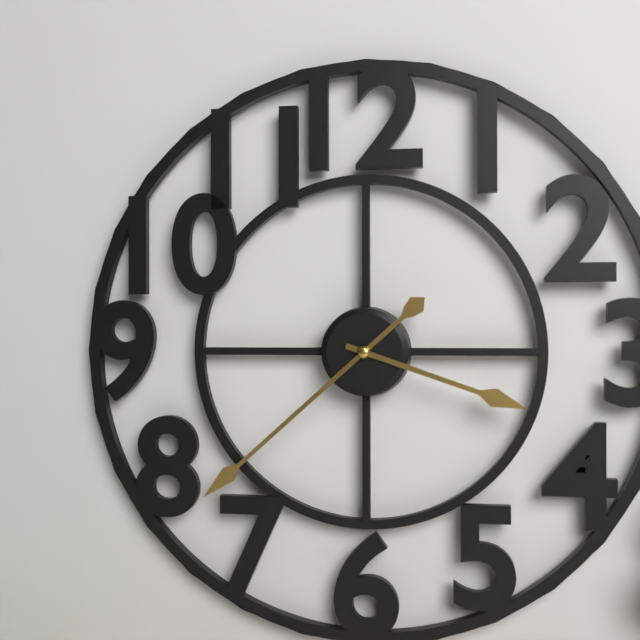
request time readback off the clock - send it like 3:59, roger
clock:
3:38
